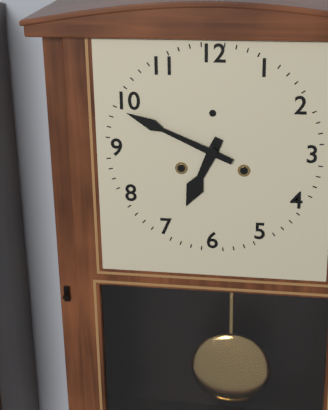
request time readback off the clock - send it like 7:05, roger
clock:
6:49
